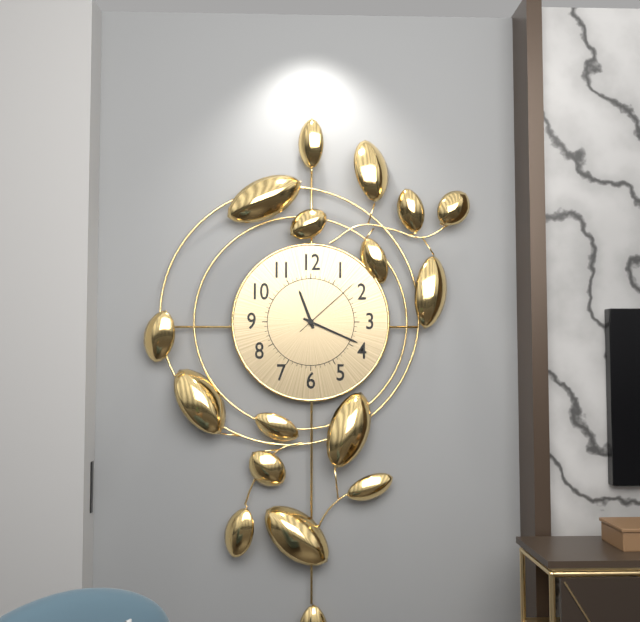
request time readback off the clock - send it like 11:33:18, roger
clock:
11:19:08
